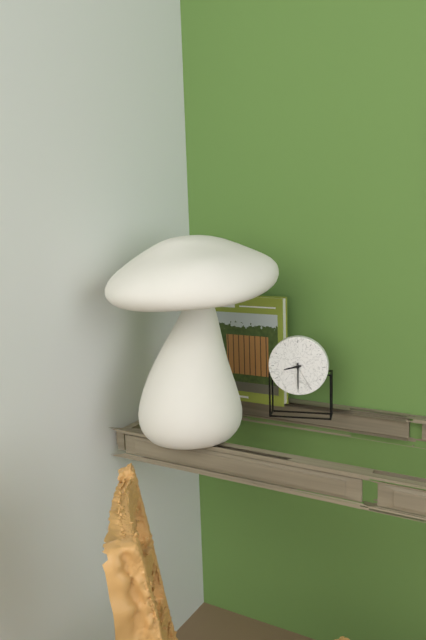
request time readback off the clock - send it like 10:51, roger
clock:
8:30
